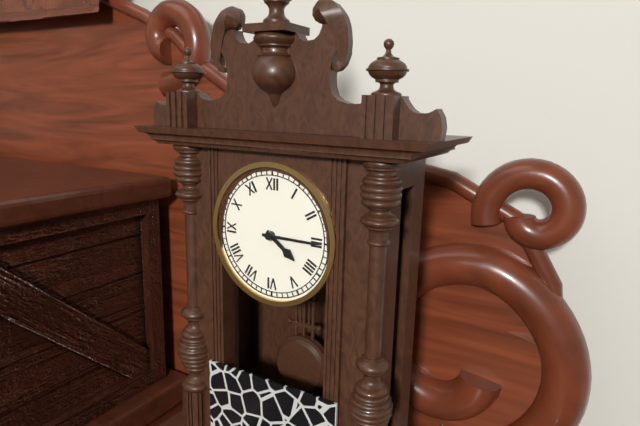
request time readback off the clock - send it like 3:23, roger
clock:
4:15
